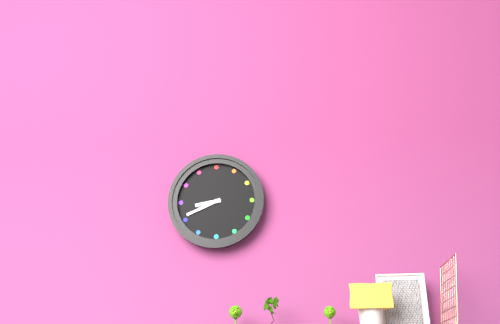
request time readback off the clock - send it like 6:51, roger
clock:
8:41
